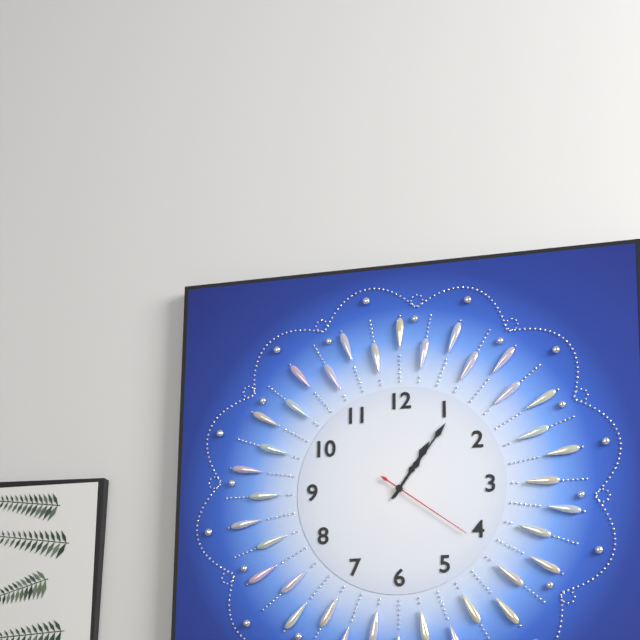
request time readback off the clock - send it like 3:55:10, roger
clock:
1:06:21
